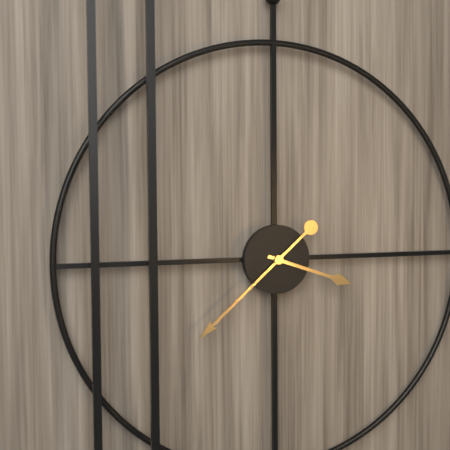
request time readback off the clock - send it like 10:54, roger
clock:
3:38
